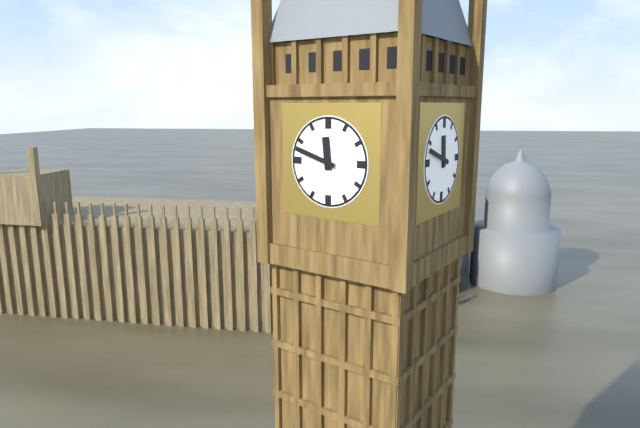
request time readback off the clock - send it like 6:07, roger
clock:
11:48
